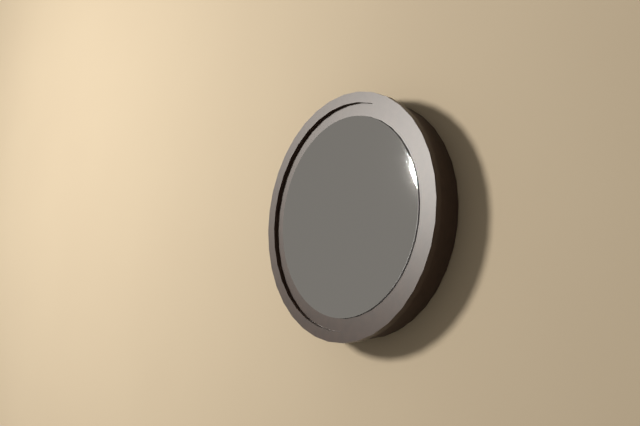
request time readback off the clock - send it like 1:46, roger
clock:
4:41
